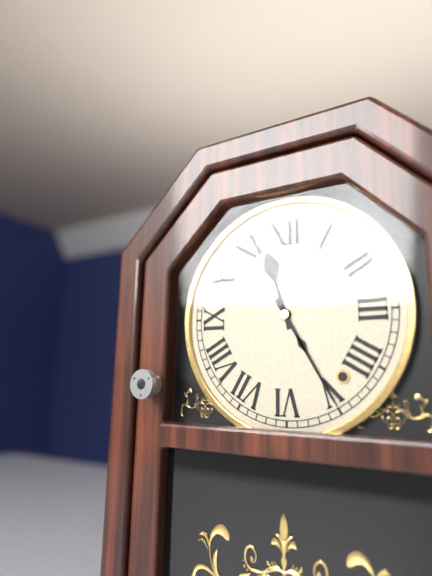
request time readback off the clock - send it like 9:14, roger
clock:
11:25
